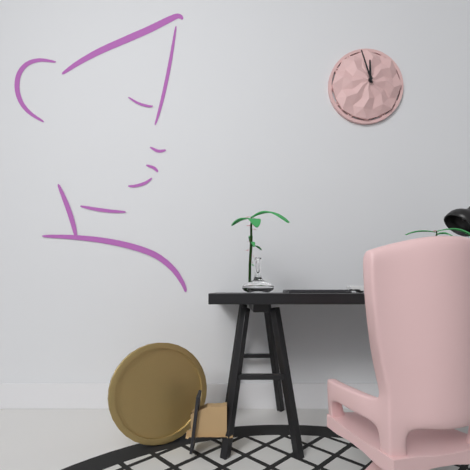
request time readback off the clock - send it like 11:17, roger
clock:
11:57
